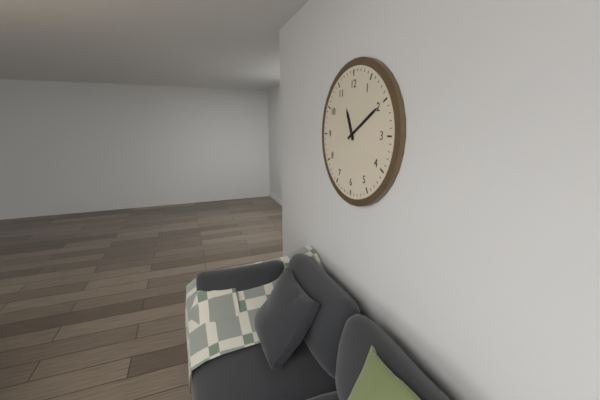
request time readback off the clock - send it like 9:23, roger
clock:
11:10
